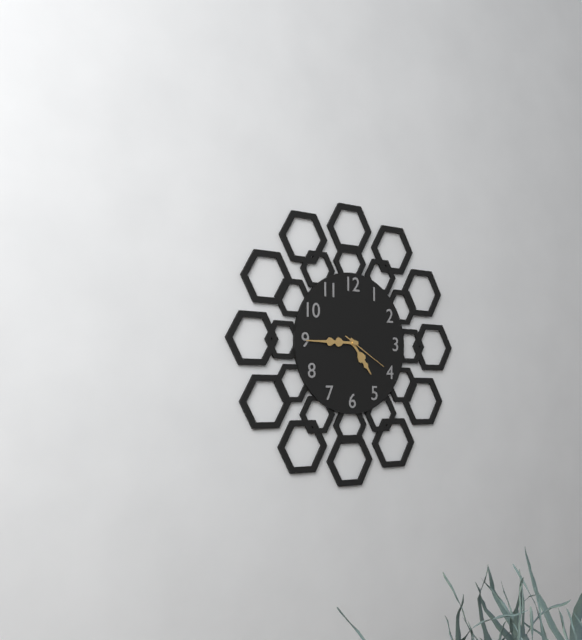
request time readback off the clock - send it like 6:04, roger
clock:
4:45
